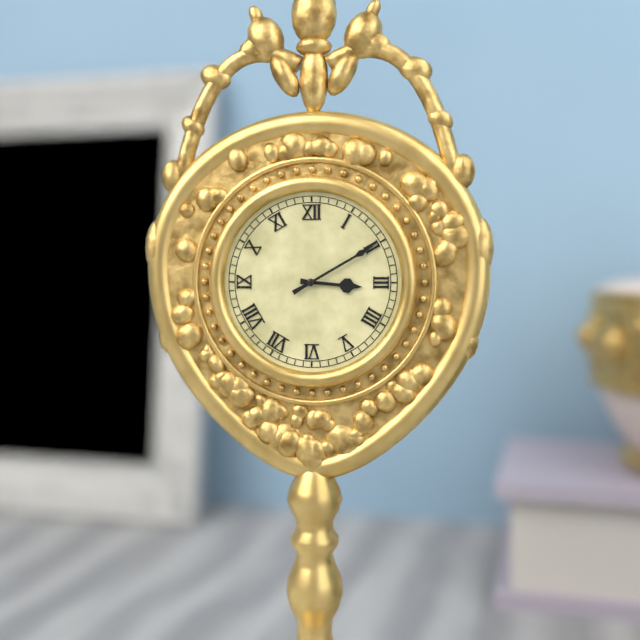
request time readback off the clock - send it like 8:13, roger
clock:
3:10
